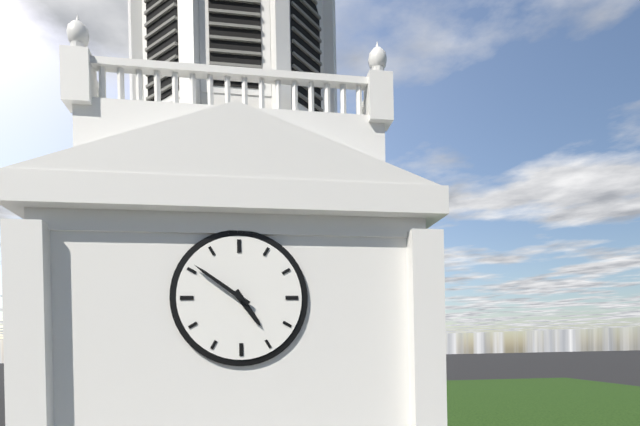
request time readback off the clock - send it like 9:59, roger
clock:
4:51
